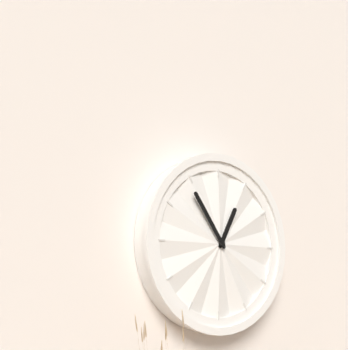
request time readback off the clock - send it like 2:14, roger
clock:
12:54
